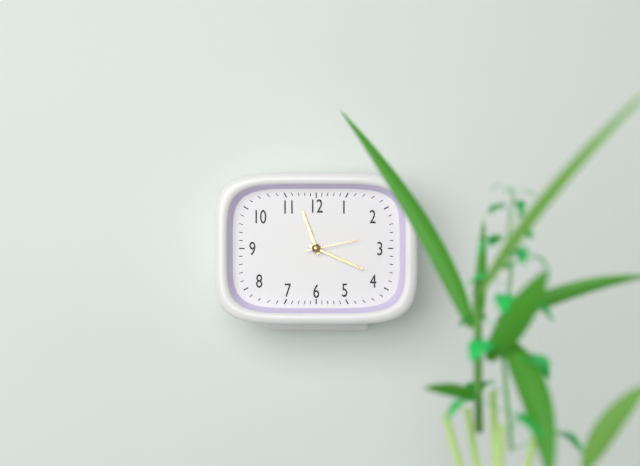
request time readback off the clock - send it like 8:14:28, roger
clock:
11:19:13
